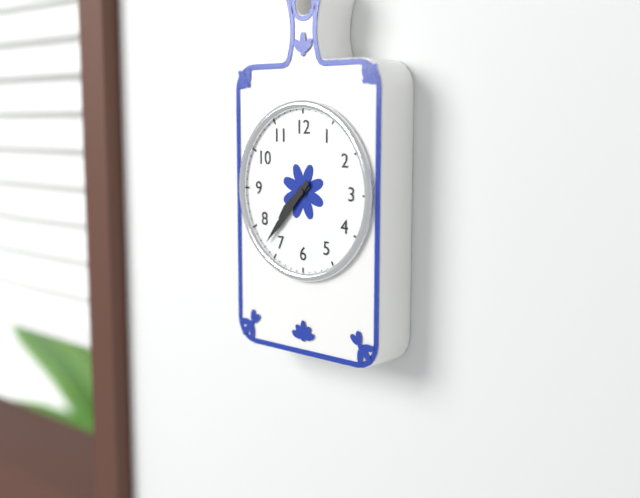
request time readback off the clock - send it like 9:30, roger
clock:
7:37
